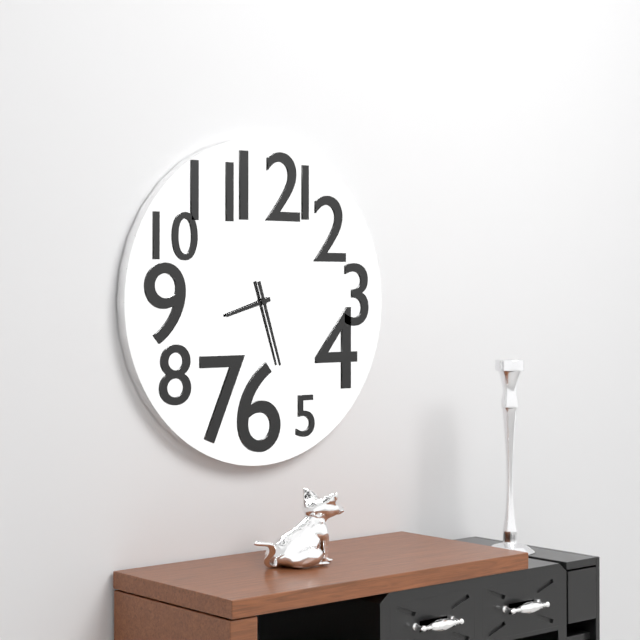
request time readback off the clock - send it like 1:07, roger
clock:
8:27
